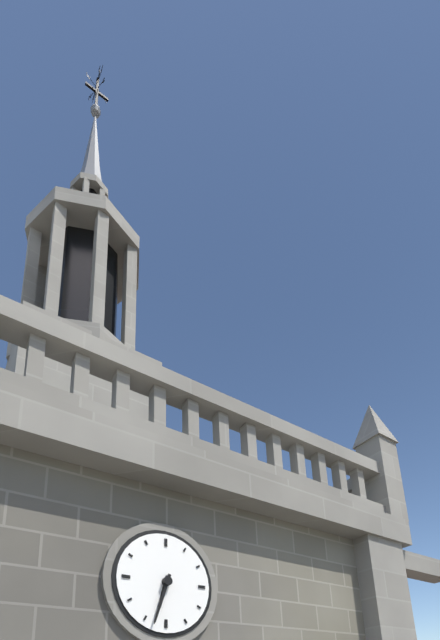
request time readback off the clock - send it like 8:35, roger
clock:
6:33
